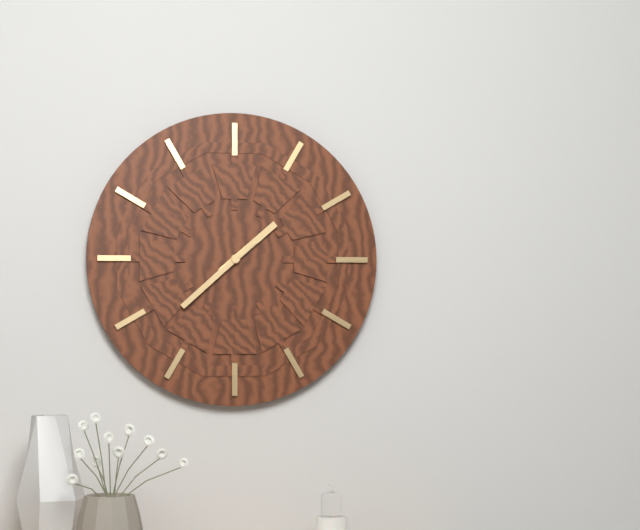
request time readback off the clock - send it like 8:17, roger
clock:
1:38
